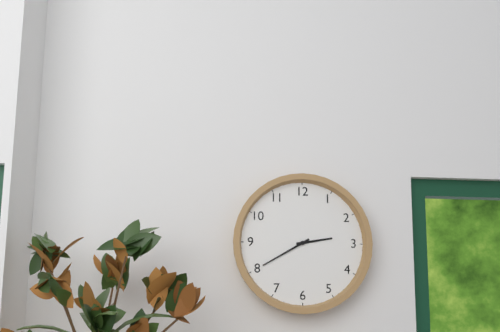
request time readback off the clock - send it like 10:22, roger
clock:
2:40
